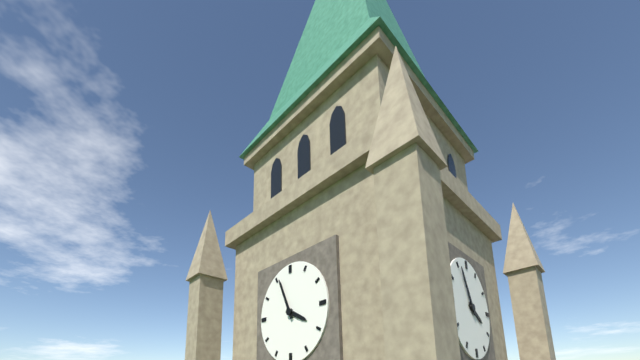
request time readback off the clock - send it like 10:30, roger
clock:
3:56
